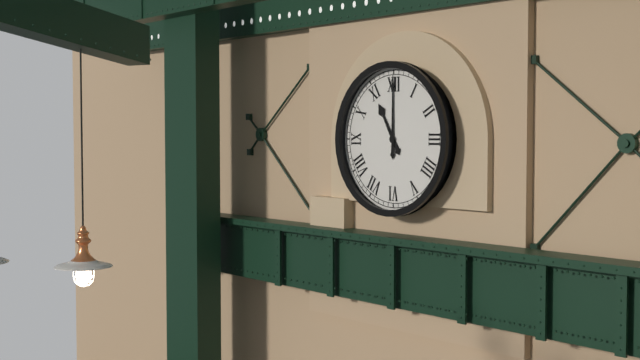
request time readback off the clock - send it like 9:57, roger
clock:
11:00
